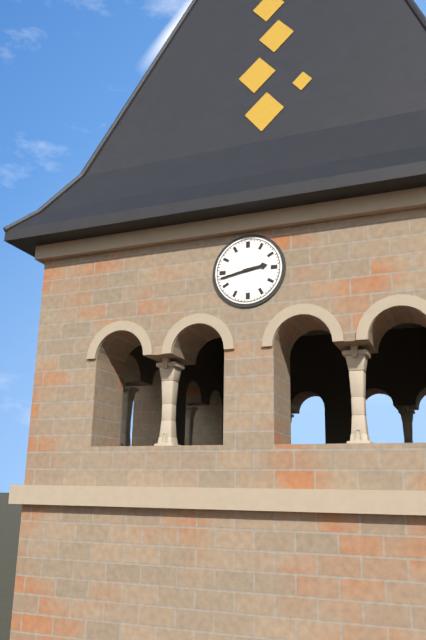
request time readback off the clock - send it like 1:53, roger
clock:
2:43
